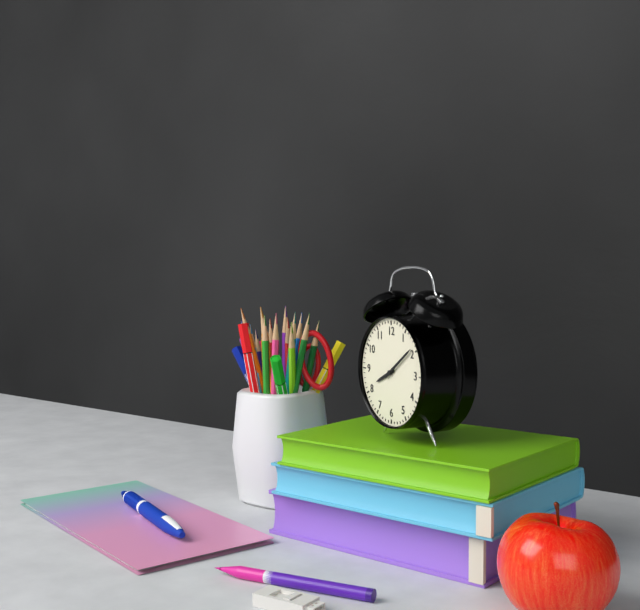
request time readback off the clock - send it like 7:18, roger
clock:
8:09
